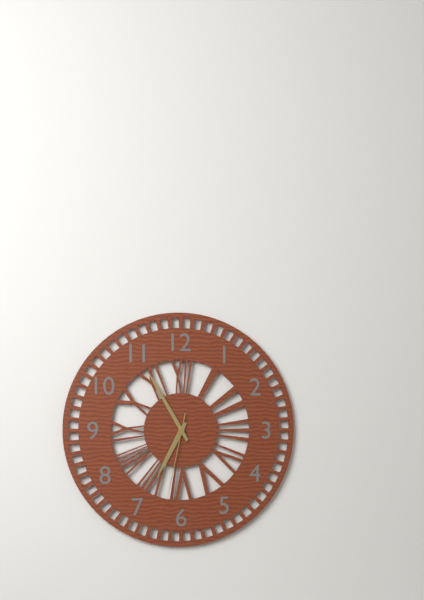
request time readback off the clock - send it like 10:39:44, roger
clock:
6:55:32
